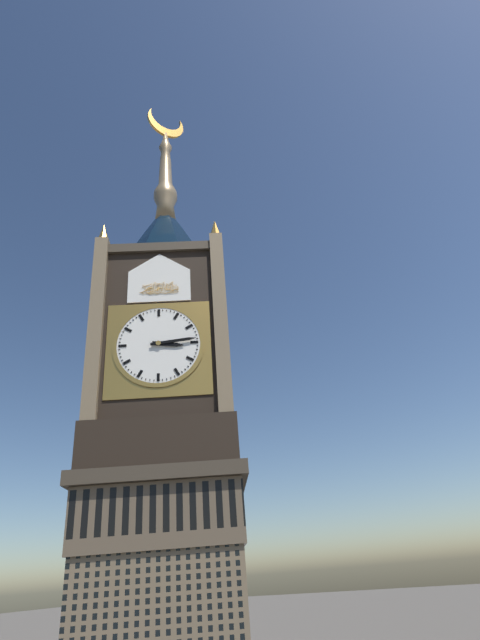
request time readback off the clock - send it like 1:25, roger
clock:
3:14
